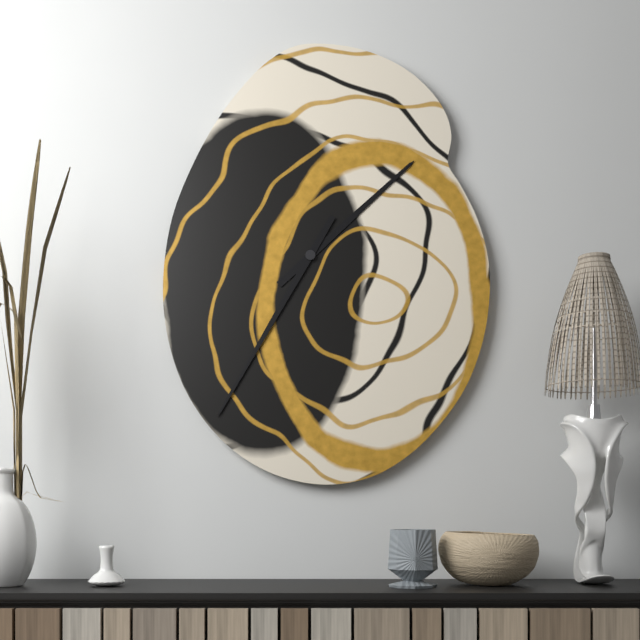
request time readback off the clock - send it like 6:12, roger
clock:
1:35
